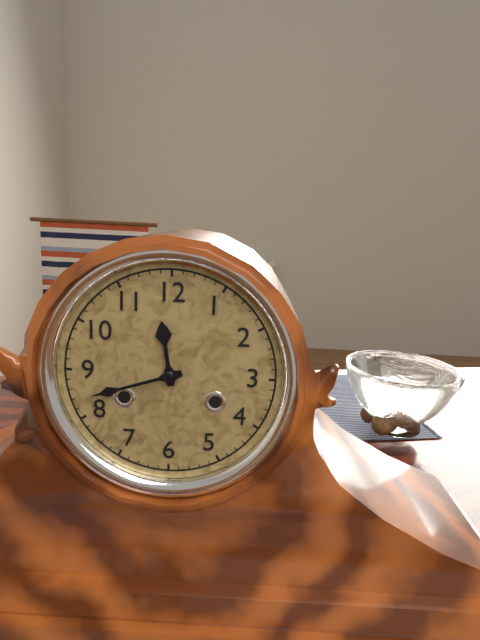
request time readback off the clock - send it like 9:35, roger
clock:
11:42
